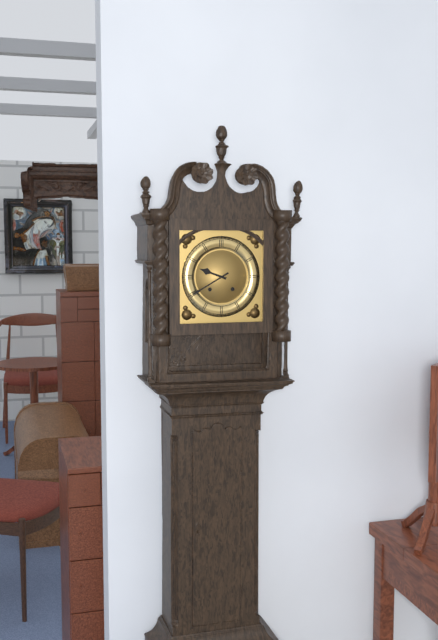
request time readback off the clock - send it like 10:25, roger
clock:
9:40
